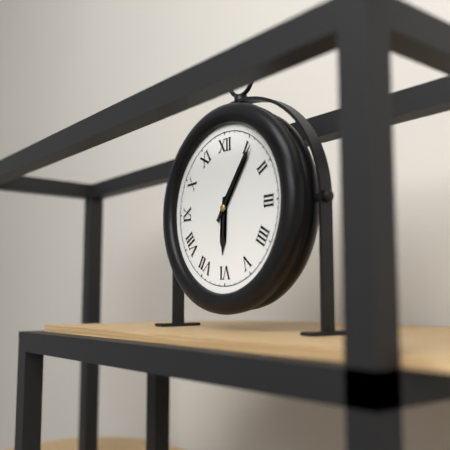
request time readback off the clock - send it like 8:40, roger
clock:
6:06
